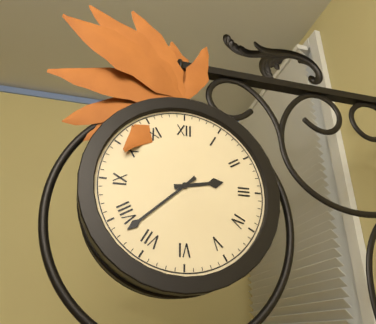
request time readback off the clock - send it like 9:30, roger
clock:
2:38
